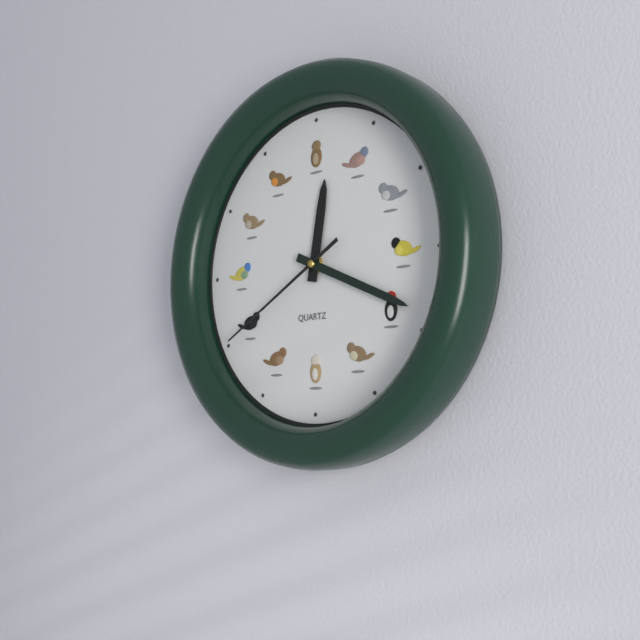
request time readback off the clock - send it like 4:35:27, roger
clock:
12:19:40
